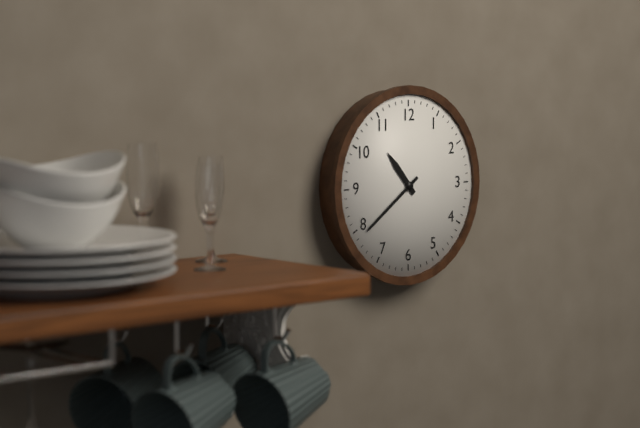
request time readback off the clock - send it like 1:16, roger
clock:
10:39
